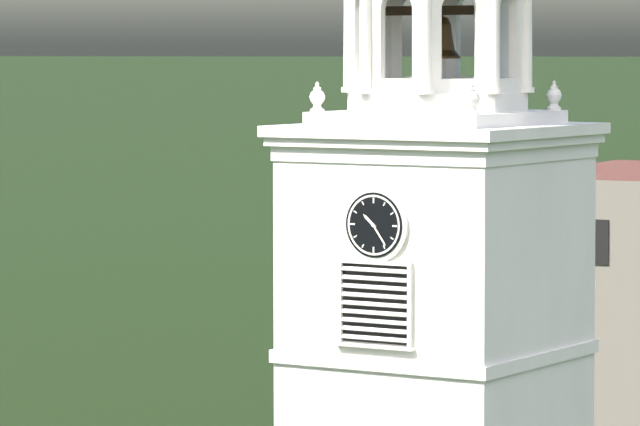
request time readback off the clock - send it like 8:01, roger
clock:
10:24
